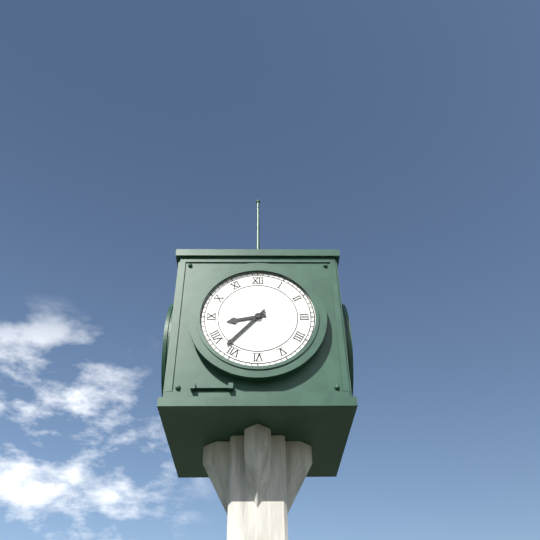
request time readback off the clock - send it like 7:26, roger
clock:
8:37
